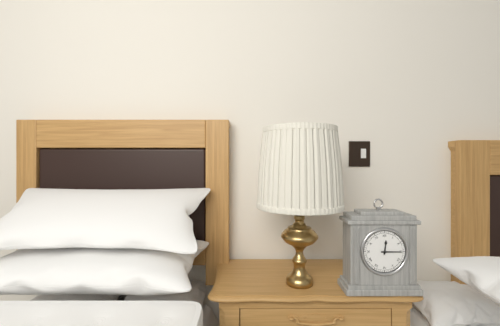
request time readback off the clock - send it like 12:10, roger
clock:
12:15
